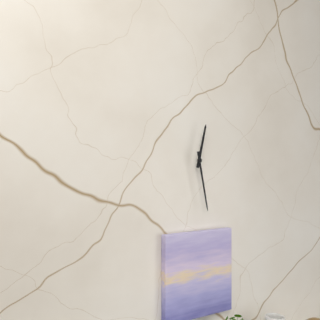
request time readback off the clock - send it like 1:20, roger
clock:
12:28
